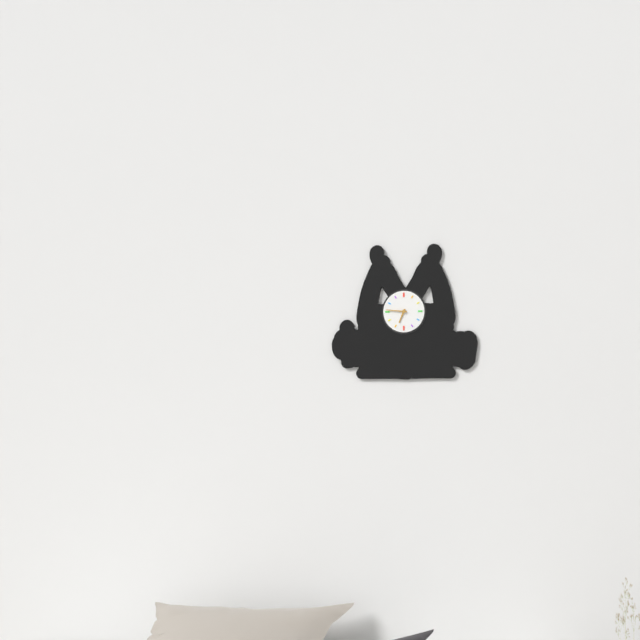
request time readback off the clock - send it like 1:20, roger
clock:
6:46
